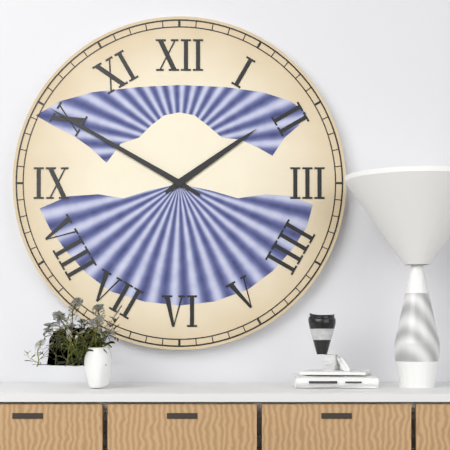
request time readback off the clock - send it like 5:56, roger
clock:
1:50
